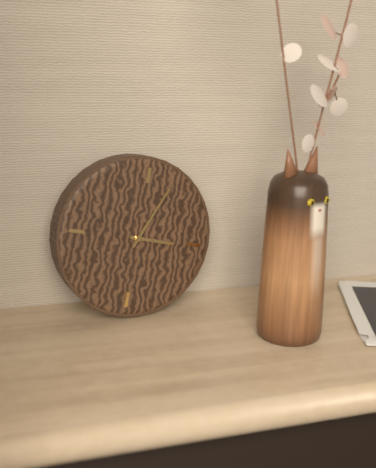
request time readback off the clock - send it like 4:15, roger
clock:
3:04
